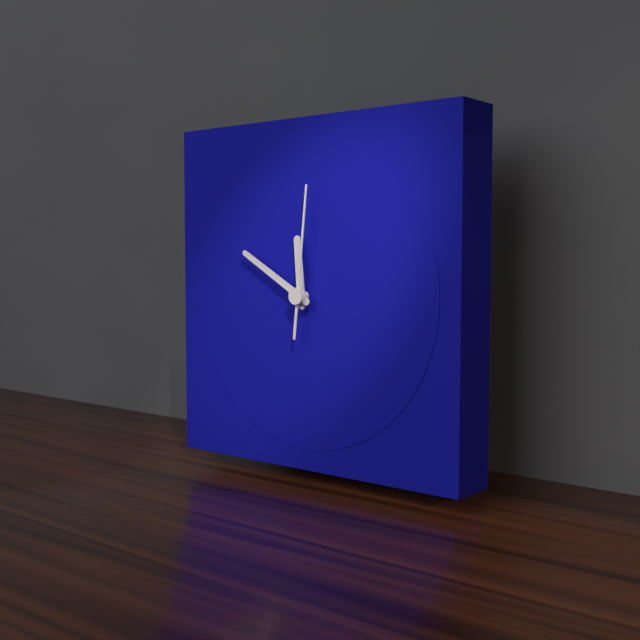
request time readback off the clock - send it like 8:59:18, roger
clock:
11:50:01
